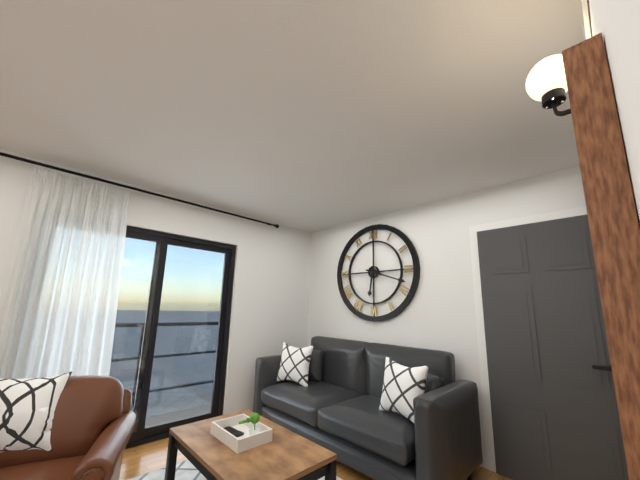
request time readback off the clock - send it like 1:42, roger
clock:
6:18
